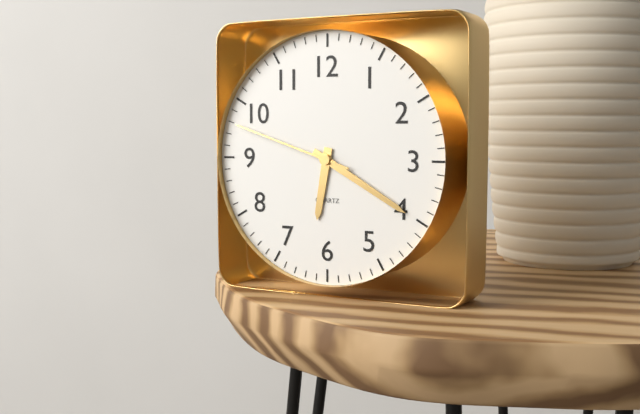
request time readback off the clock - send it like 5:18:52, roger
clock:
6:20:48
